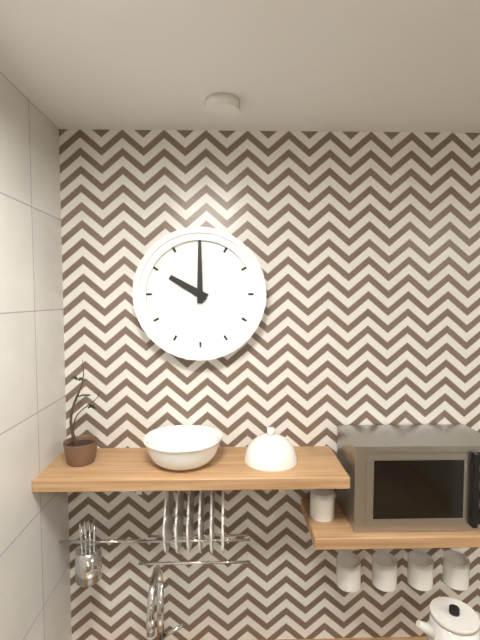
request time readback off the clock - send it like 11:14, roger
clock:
10:00
